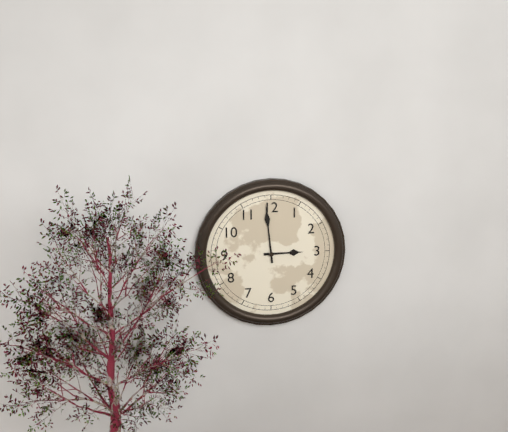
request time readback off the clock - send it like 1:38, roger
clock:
2:59
